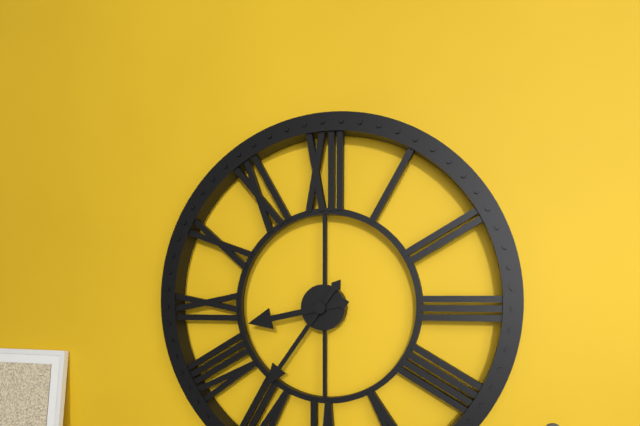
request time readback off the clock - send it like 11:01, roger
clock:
8:36
